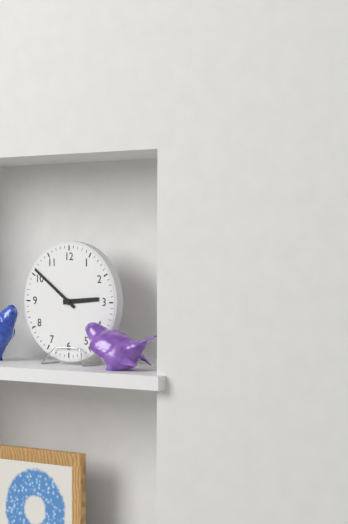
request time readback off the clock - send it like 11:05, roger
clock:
2:51
